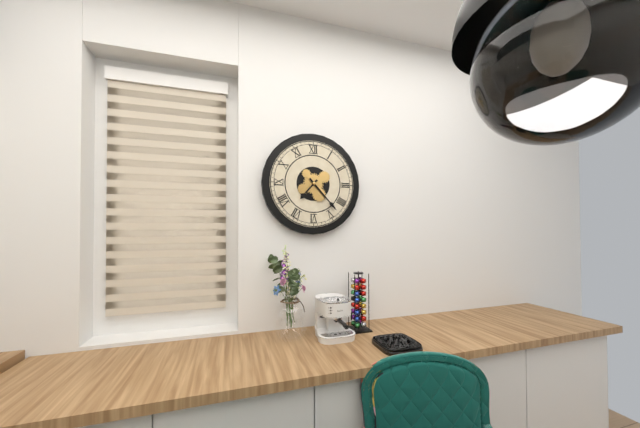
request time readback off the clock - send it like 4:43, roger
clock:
7:23
